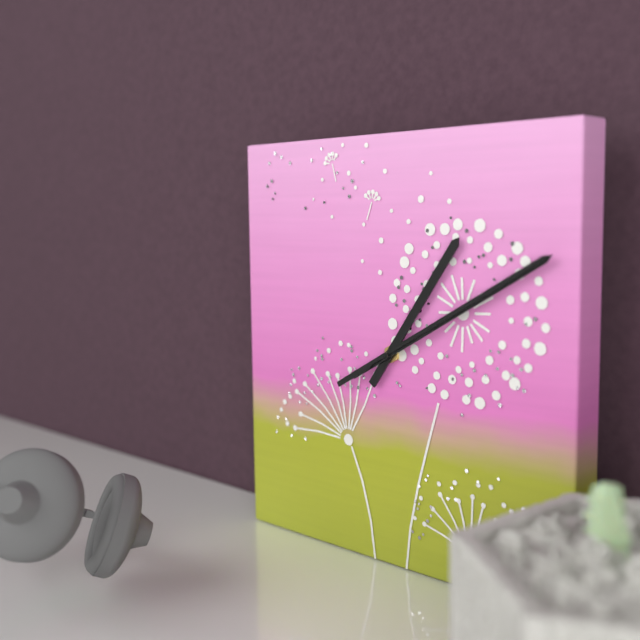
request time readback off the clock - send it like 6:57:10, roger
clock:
1:10:10
